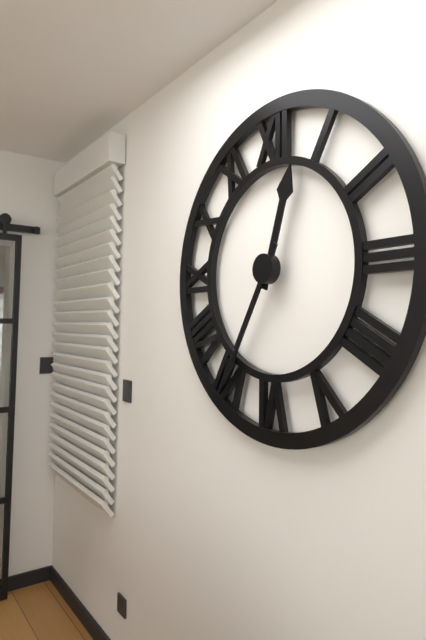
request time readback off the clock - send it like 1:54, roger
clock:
12:35
